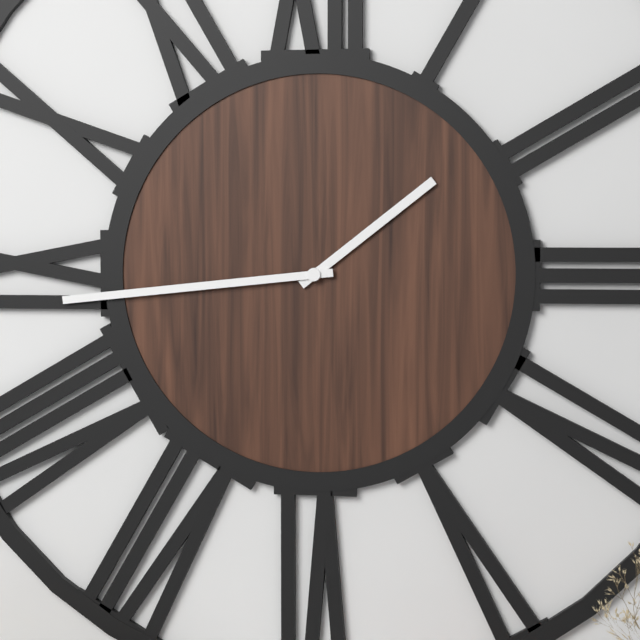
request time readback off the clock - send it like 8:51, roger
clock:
1:44
